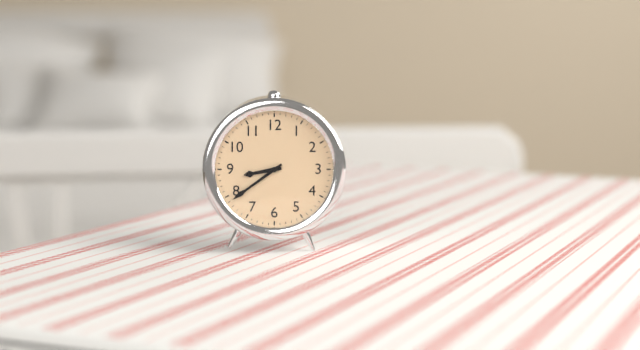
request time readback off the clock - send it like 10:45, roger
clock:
8:39
